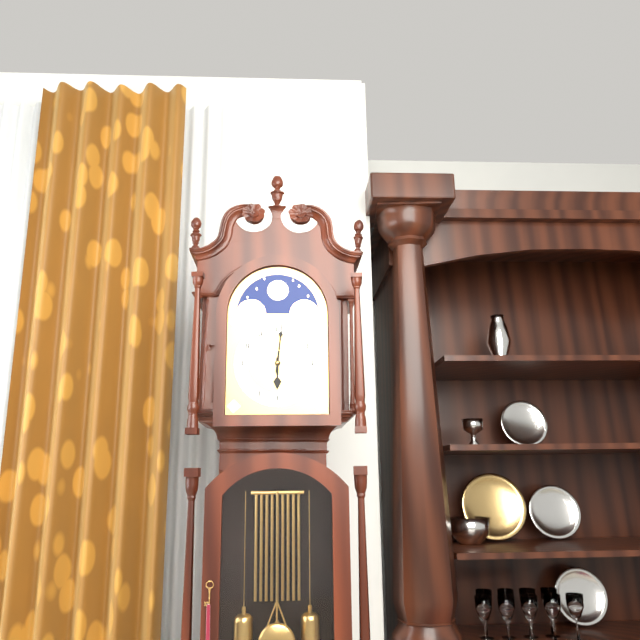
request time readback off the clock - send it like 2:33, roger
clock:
6:01
